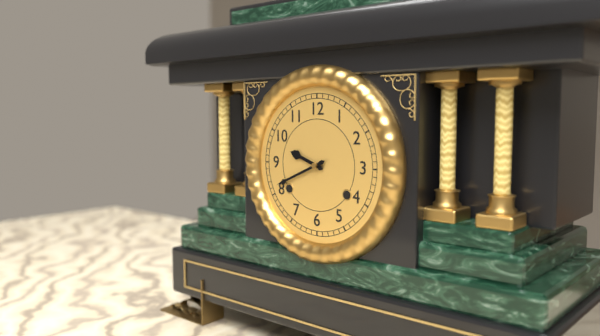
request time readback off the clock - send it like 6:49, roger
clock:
9:41
